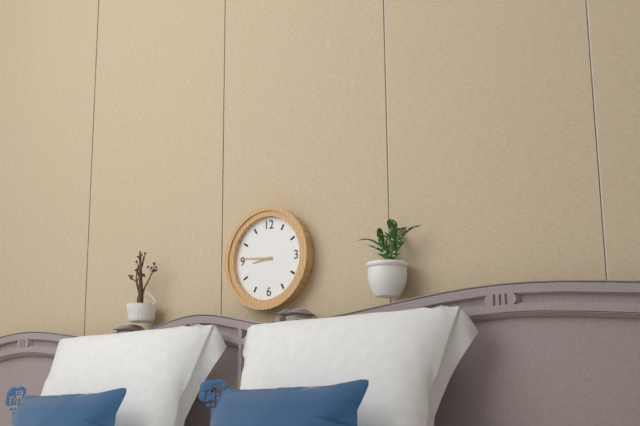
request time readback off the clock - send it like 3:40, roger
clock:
8:46
